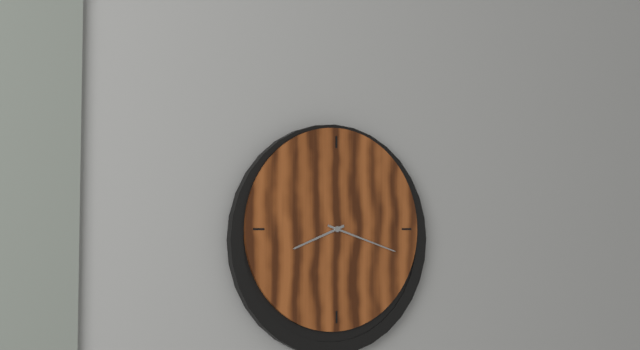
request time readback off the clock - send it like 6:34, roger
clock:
8:18
